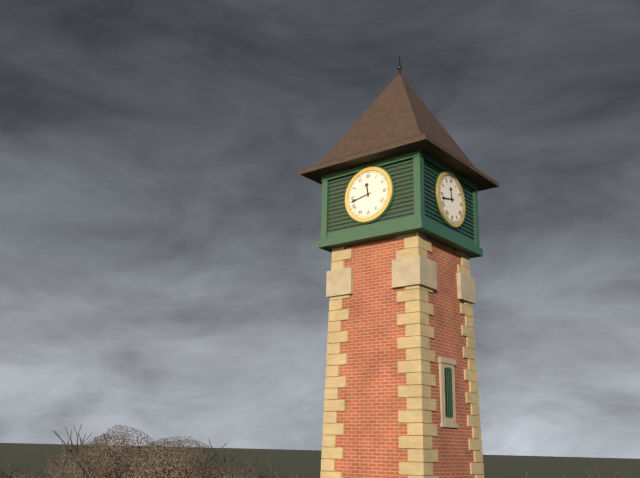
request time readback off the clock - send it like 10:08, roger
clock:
11:43
